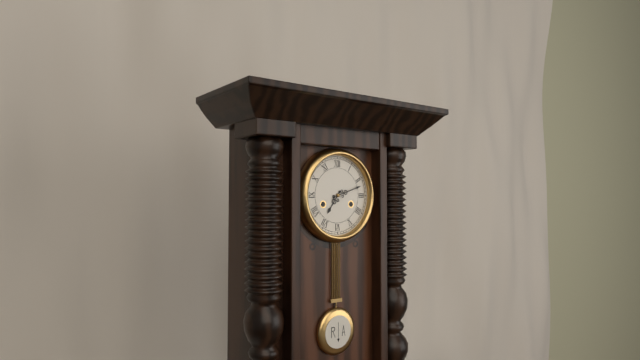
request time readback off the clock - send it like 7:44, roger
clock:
7:12
